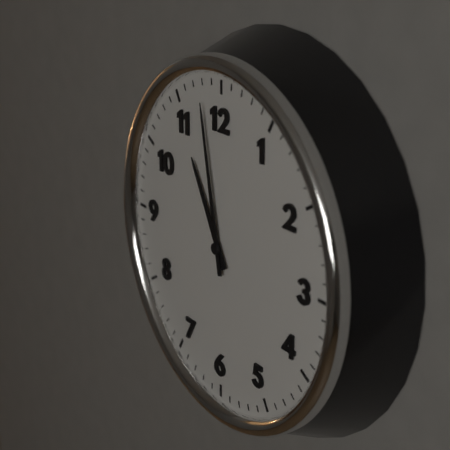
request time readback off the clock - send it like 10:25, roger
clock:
10:58
